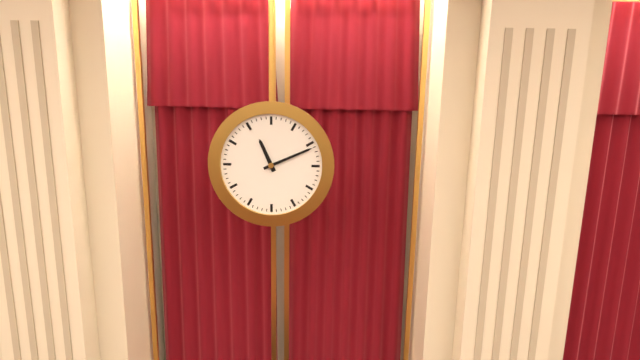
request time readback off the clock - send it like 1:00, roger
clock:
11:11
